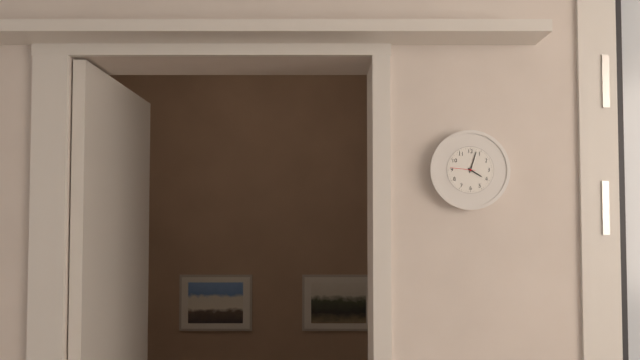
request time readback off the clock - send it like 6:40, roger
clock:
4:03
